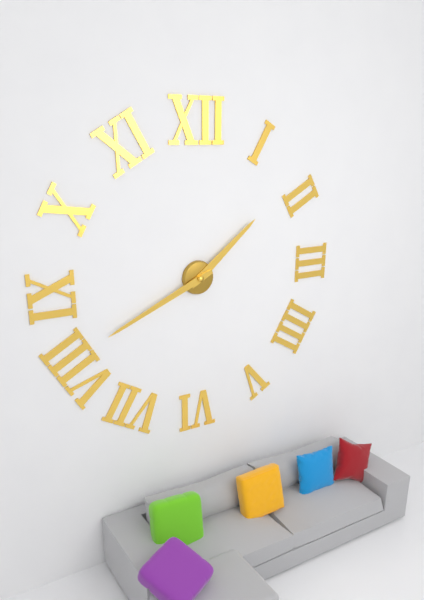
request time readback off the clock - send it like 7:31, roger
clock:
1:41
